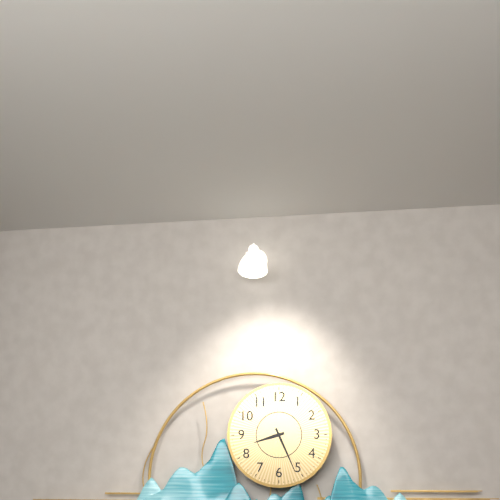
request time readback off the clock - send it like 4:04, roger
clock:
8:26
